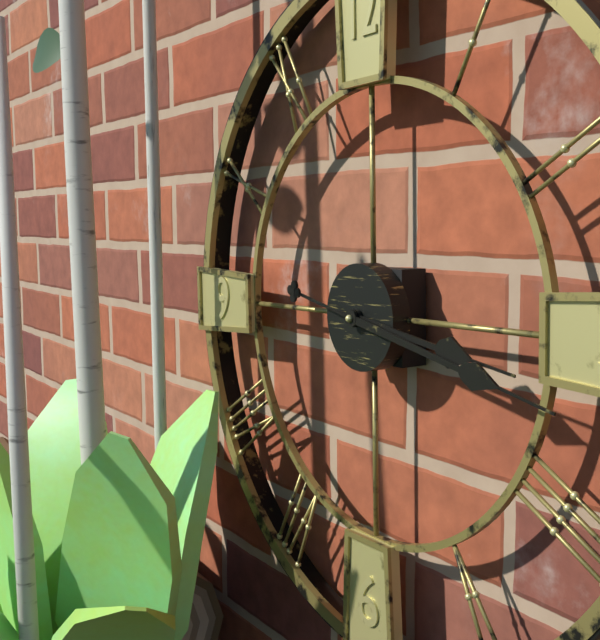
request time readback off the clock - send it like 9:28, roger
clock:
3:17
